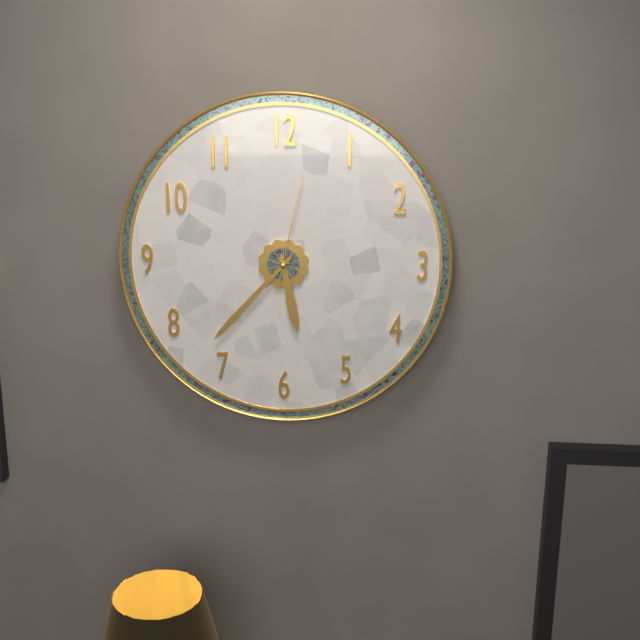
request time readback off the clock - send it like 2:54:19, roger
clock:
5:37:02
